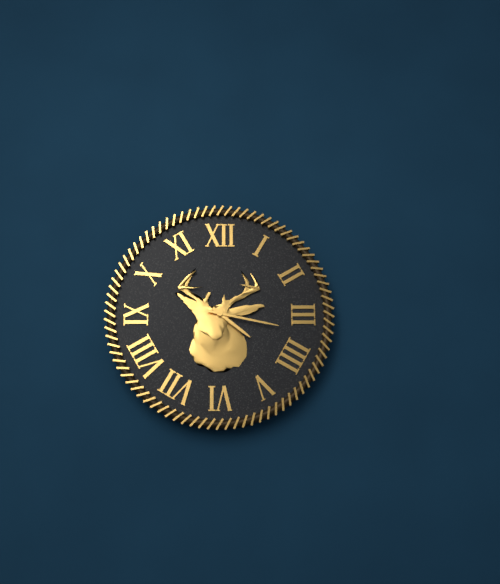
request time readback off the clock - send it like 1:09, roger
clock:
4:17
